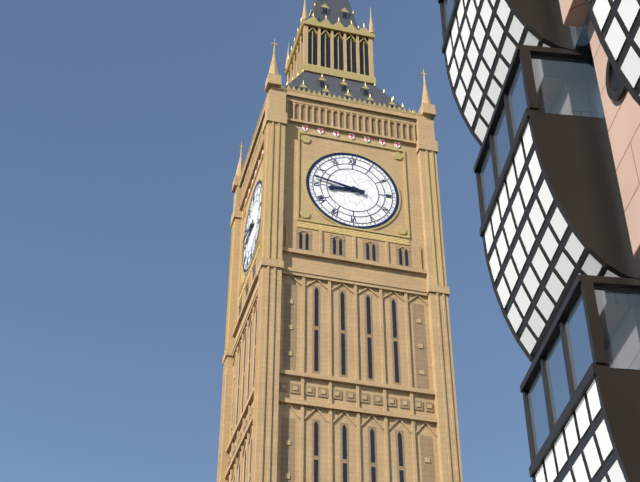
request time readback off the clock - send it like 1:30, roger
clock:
8:47
